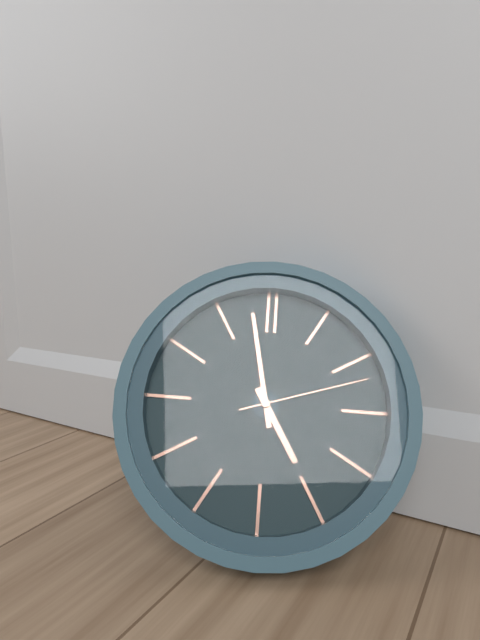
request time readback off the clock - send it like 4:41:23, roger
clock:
4:58:12
